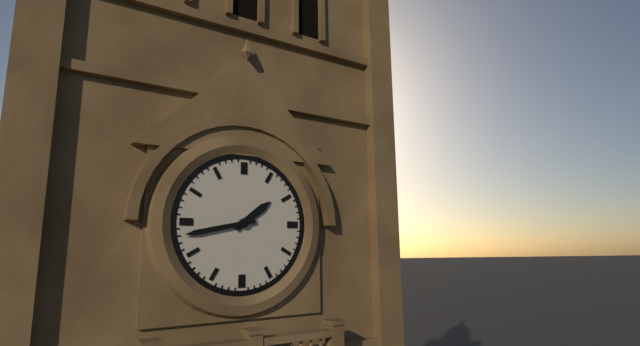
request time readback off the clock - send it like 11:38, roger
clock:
1:43
